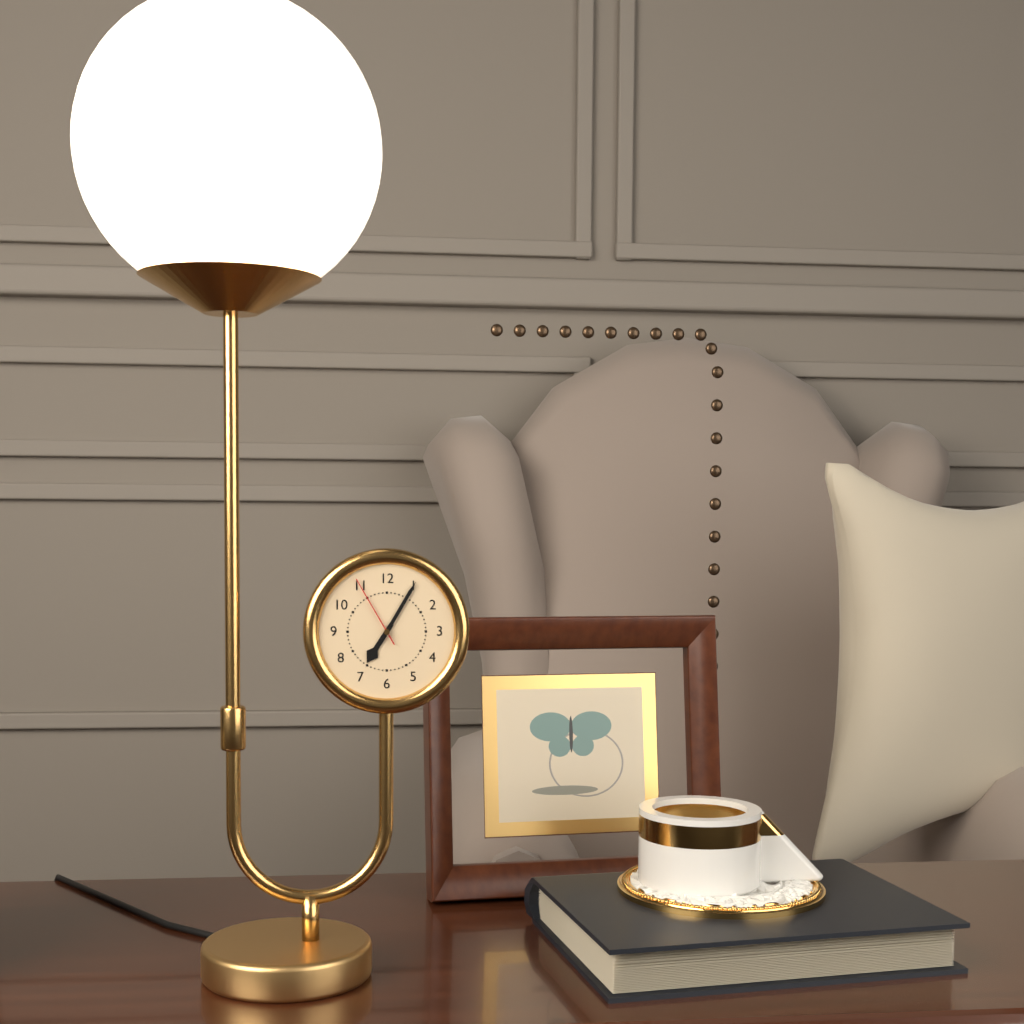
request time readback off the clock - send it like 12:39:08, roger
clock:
7:05:55
